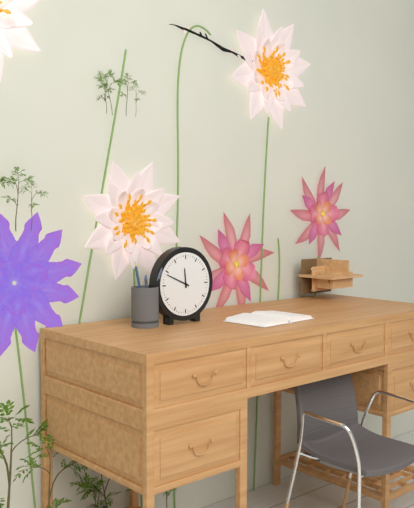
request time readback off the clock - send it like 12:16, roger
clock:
11:49
